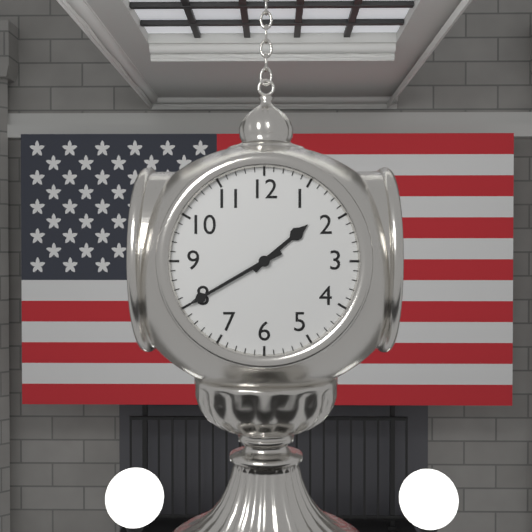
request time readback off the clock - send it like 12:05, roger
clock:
1:40
